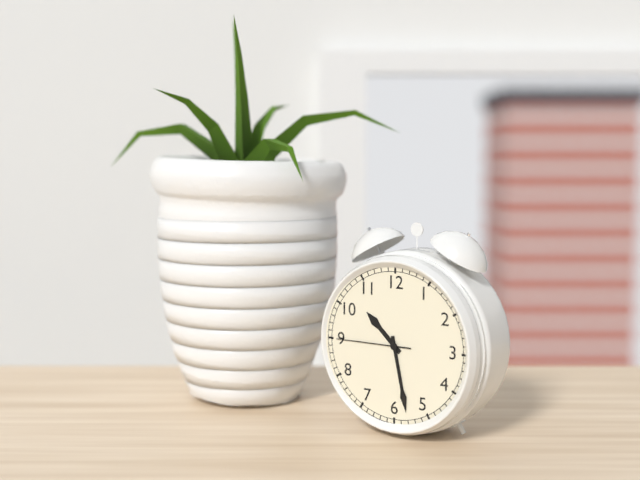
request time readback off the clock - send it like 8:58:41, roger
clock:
10:28:45
